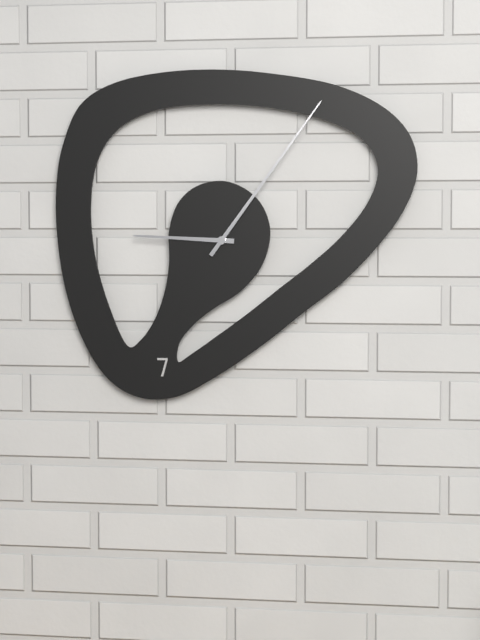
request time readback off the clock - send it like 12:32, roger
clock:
9:06
